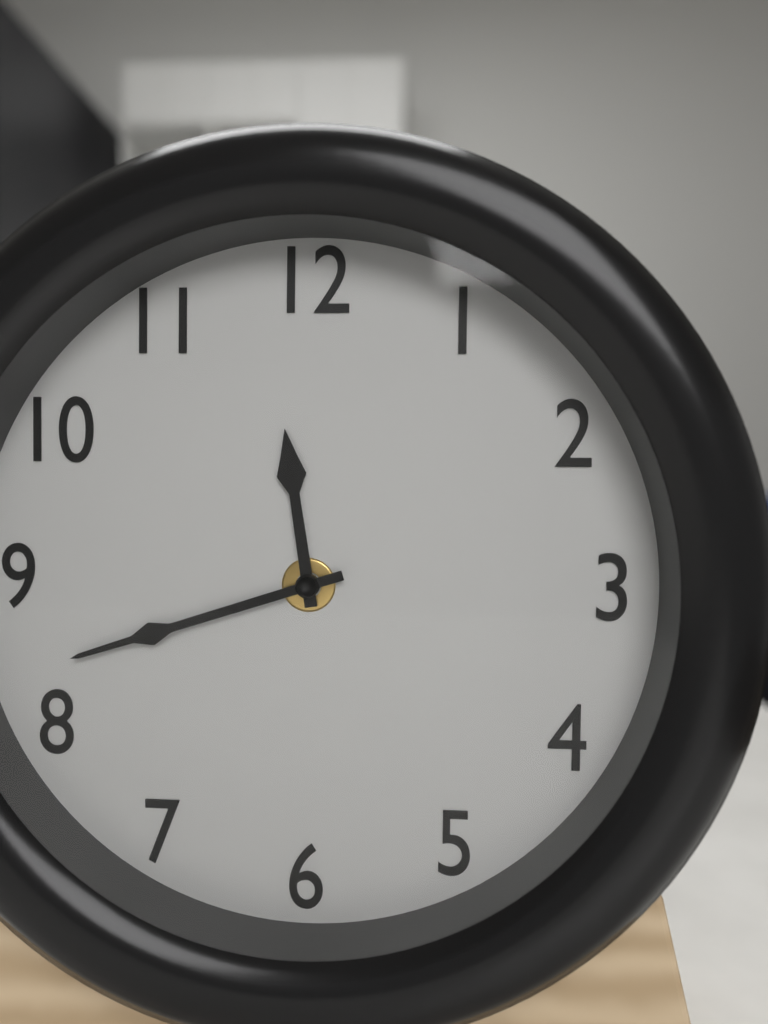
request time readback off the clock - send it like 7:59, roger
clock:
11:42
